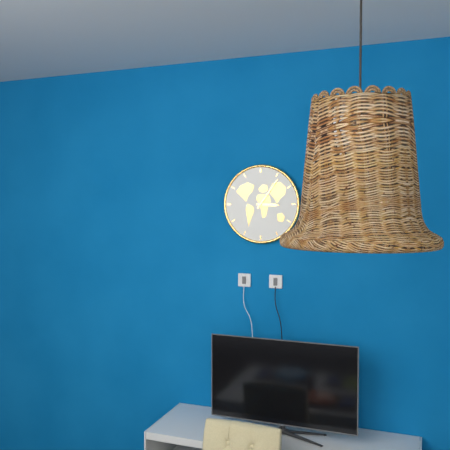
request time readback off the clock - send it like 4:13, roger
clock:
3:06
